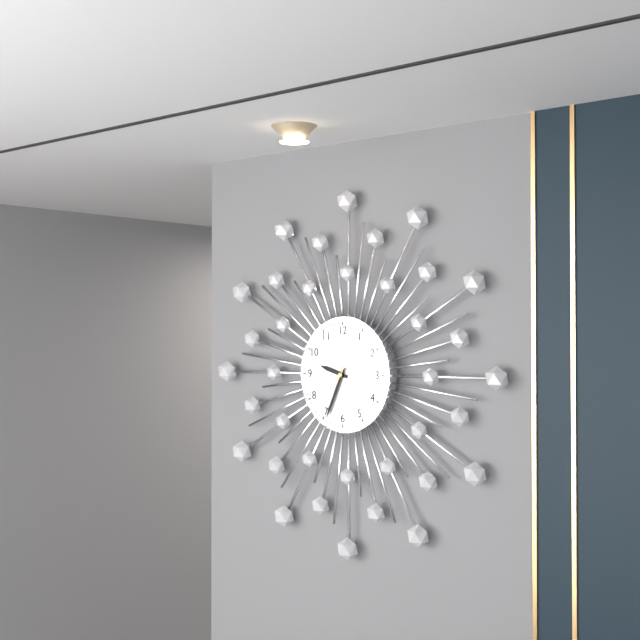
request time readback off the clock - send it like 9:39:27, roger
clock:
9:34:05
